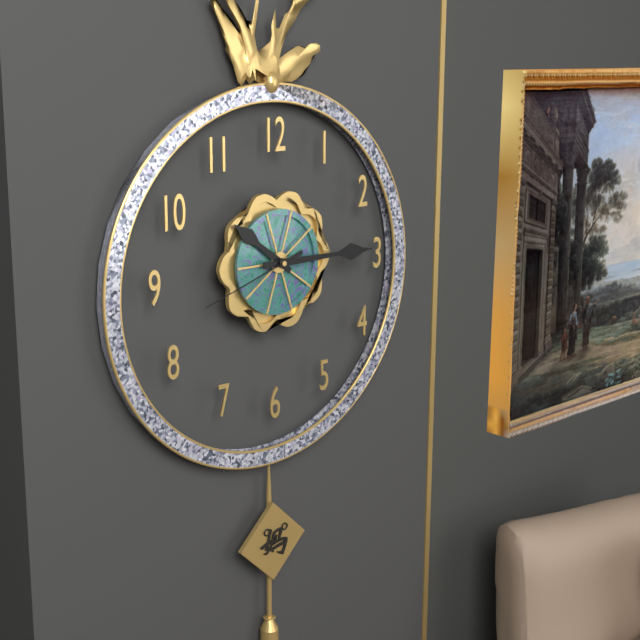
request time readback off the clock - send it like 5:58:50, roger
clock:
10:15:42
